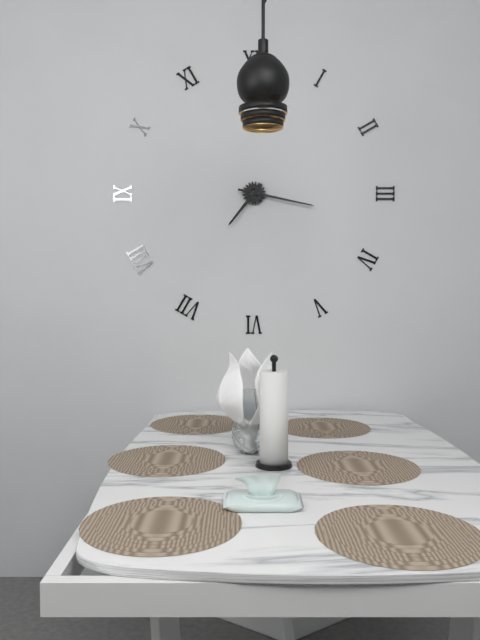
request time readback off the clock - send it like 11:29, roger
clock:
7:17
